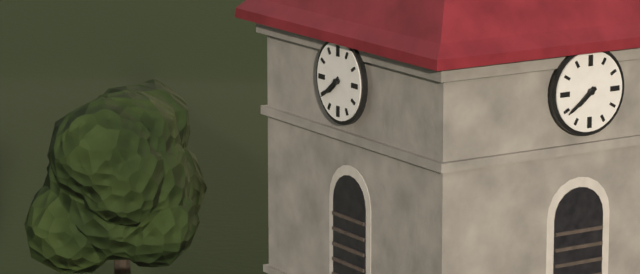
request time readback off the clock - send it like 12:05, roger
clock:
7:39
